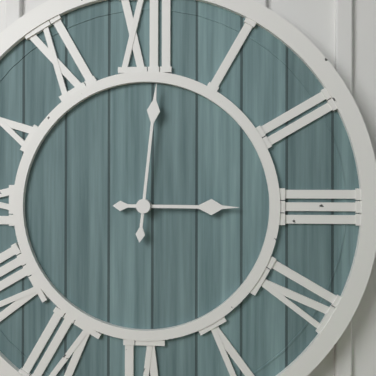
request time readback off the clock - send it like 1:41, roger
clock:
3:01
